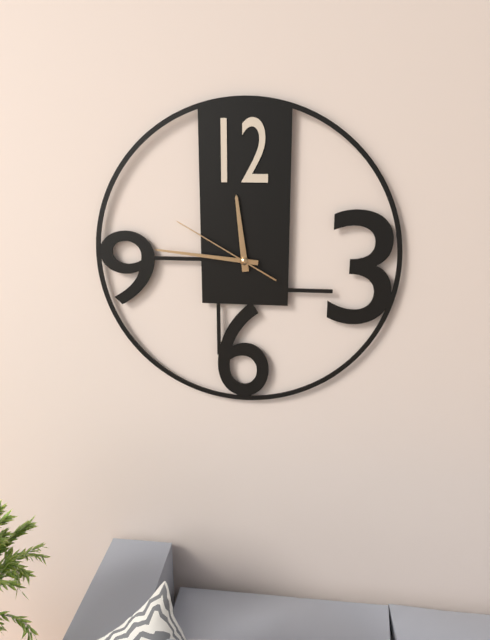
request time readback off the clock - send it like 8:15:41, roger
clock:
11:46:50
